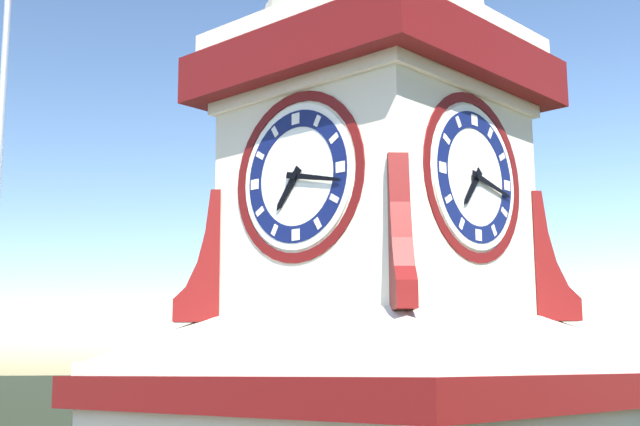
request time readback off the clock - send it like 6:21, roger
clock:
7:17
